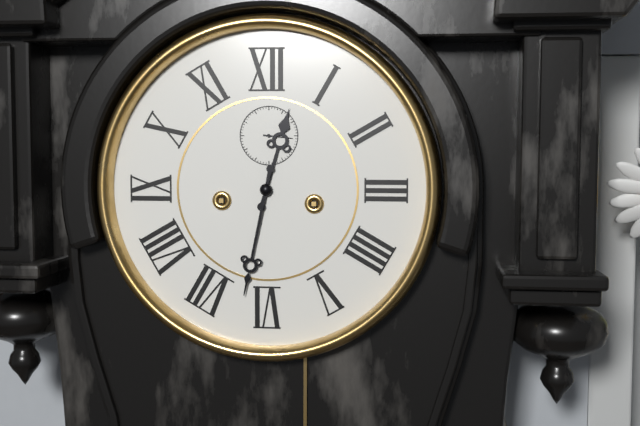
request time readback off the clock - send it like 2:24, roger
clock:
12:32
